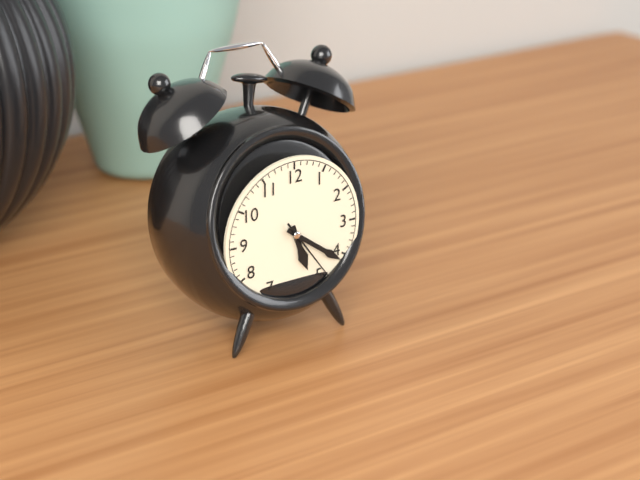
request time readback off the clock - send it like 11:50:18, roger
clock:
5:21:24
